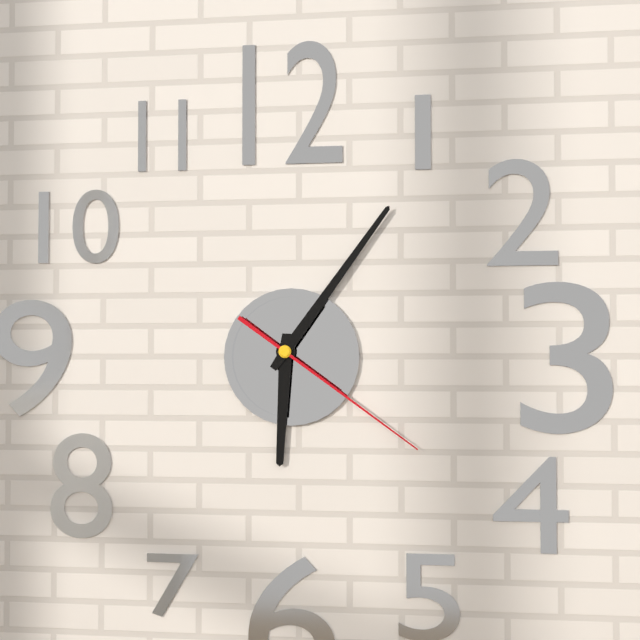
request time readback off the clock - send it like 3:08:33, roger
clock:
6:06:21
